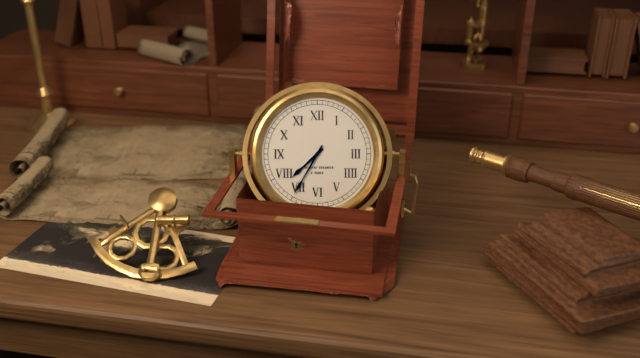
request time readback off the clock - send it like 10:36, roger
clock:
7:35
